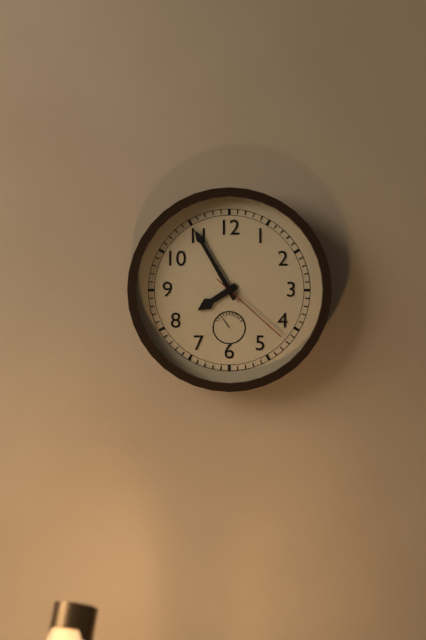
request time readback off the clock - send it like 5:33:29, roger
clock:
7:55:22
